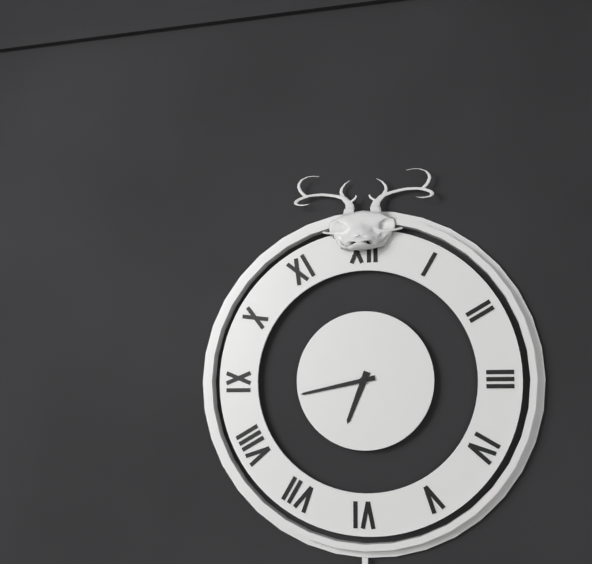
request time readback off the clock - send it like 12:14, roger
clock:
6:43
